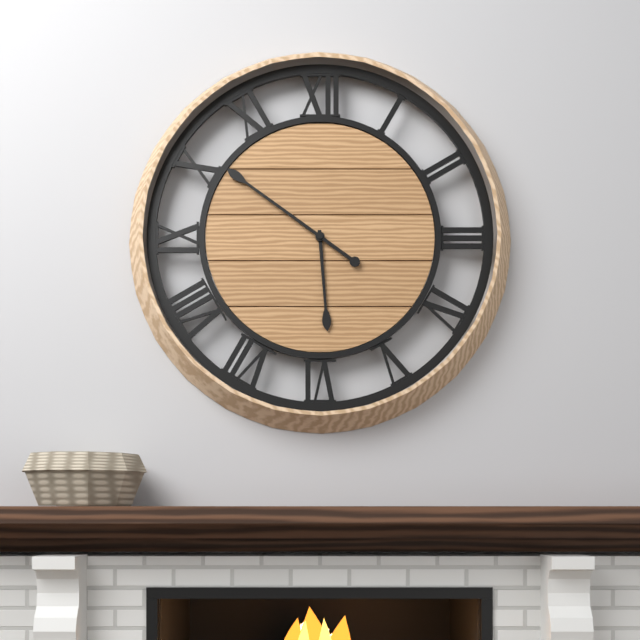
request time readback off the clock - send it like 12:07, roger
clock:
5:51
